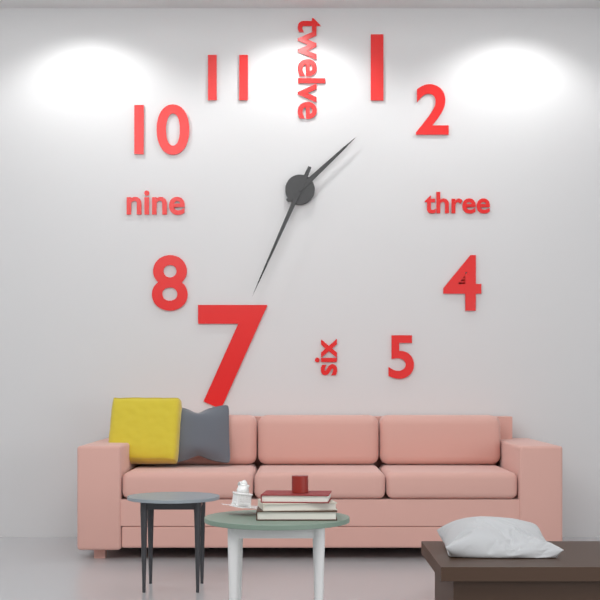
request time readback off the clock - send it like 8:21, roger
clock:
1:34
